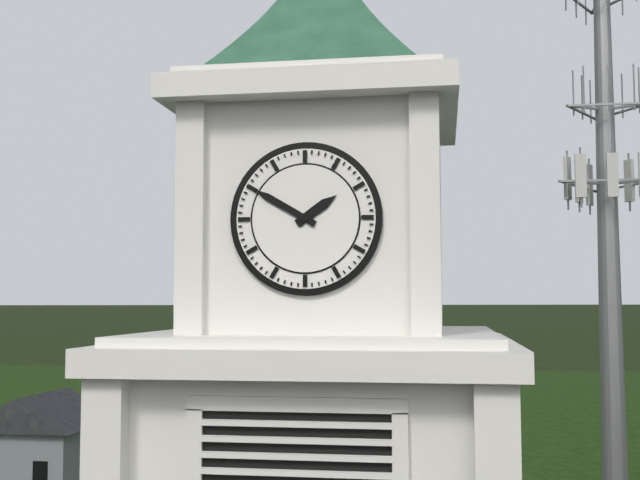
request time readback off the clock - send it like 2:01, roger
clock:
1:50
